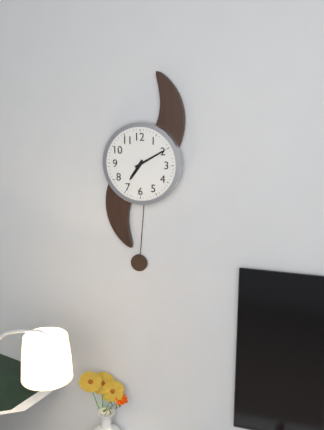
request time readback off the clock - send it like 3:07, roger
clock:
7:10
